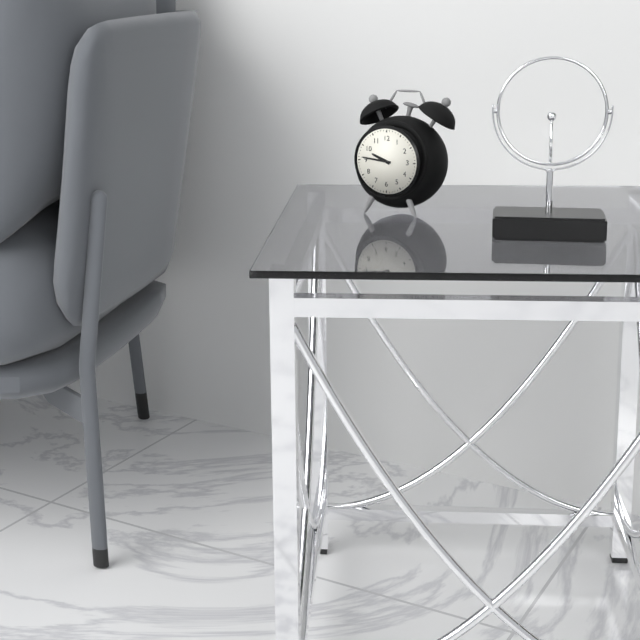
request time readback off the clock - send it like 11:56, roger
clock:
9:46
